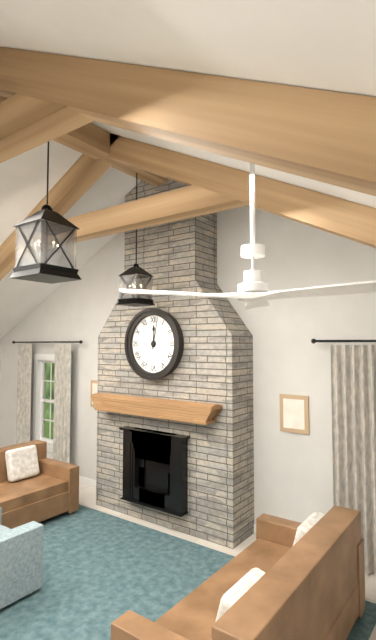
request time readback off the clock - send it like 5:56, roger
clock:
12:02
